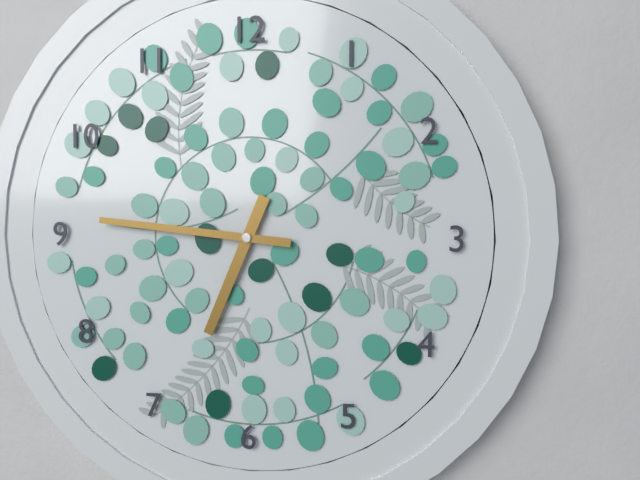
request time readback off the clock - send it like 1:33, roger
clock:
6:46
